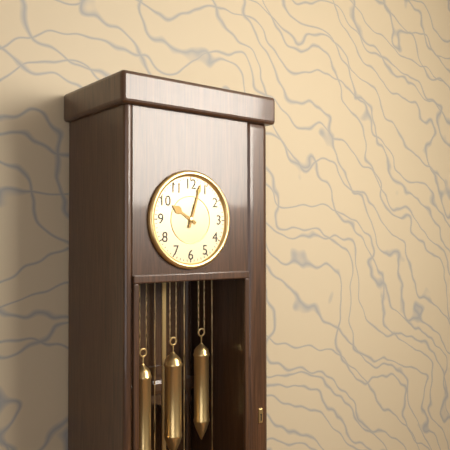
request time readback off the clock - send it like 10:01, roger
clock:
10:03
